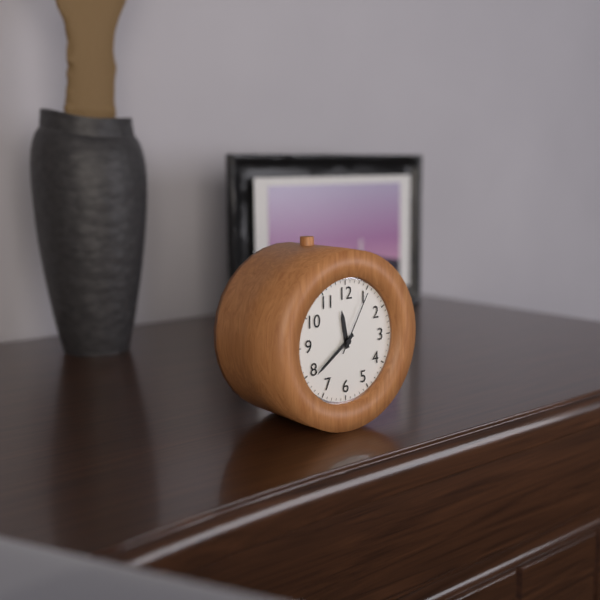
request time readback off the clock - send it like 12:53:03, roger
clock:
11:39:05
